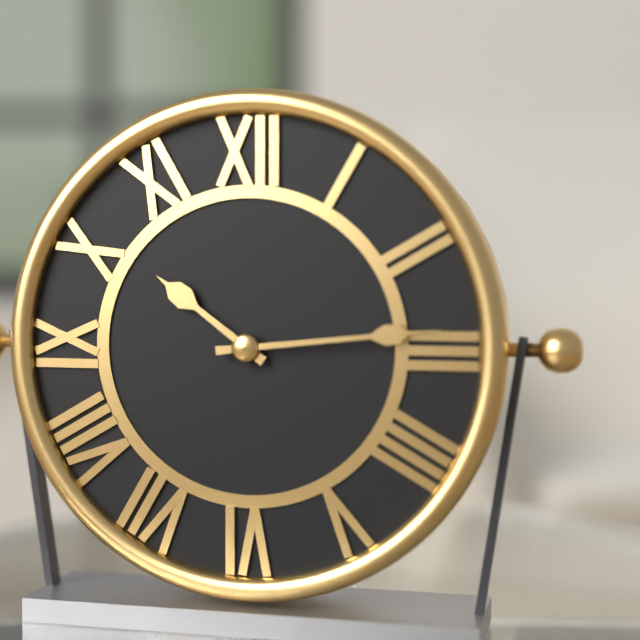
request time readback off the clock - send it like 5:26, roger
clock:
10:14
